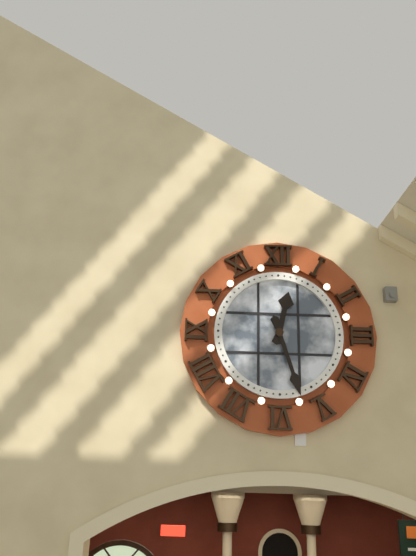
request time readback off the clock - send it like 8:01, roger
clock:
12:27
